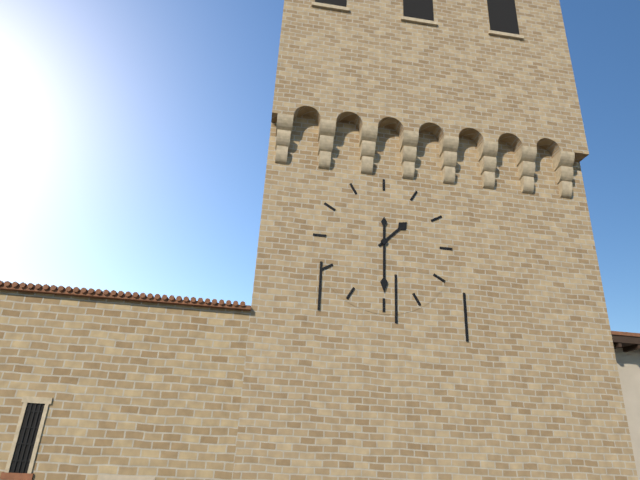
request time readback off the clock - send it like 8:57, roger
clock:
1:30
